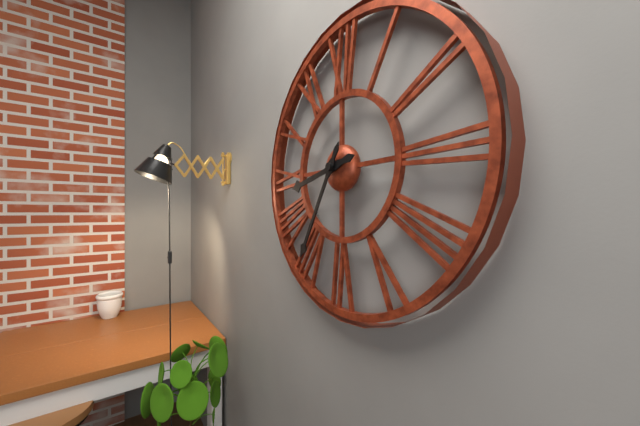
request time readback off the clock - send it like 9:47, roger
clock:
8:35
